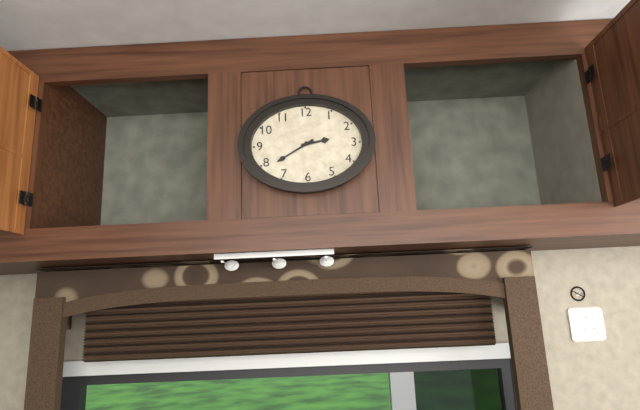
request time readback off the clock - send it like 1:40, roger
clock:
2:40
